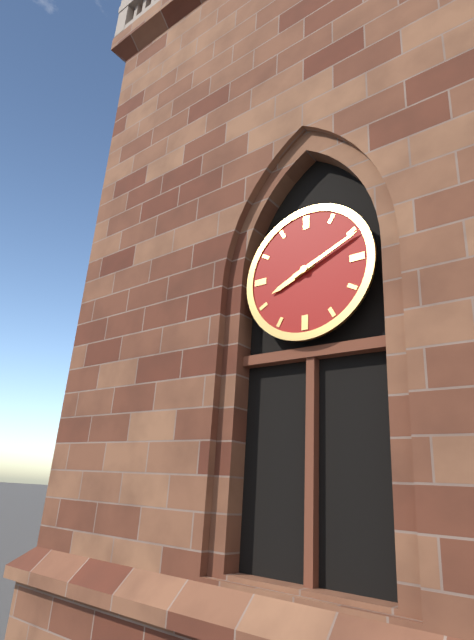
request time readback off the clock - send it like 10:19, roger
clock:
8:11
